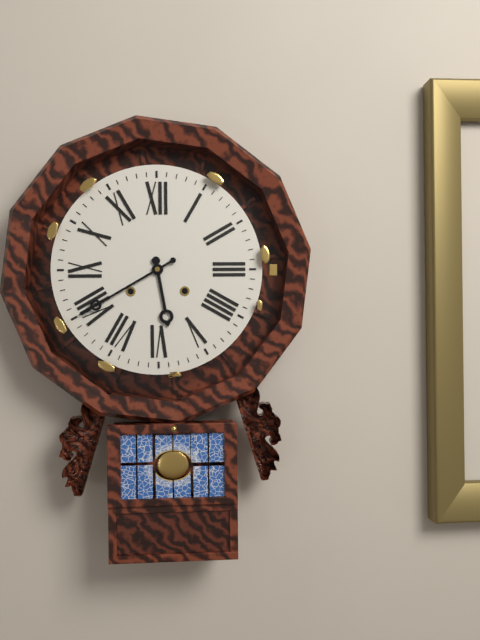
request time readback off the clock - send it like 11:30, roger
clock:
5:40
